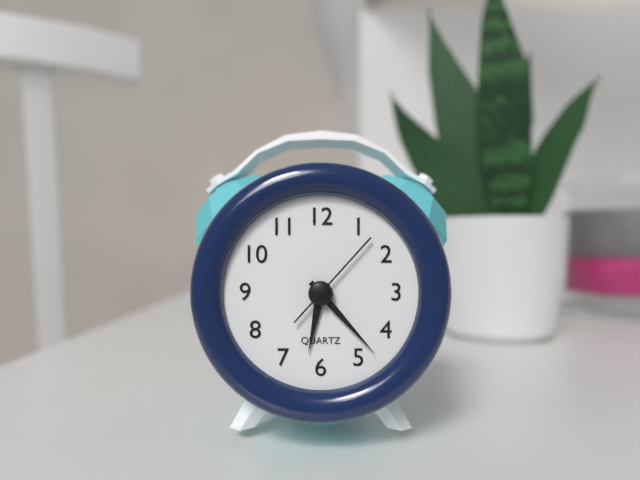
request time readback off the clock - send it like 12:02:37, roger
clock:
6:23:07
